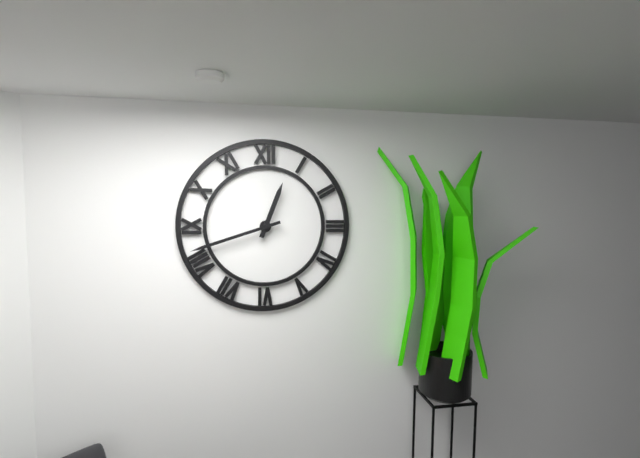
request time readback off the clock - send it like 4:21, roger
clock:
12:42
